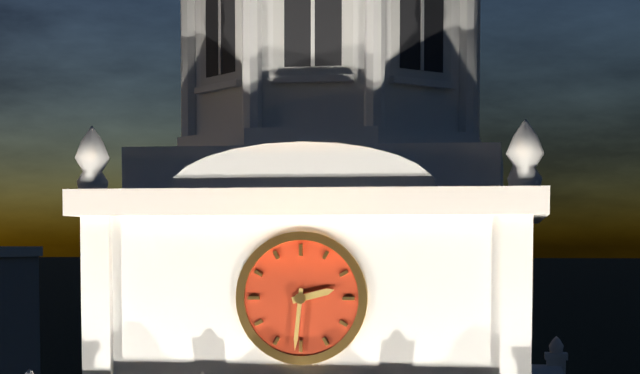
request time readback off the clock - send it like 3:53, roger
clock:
2:31
